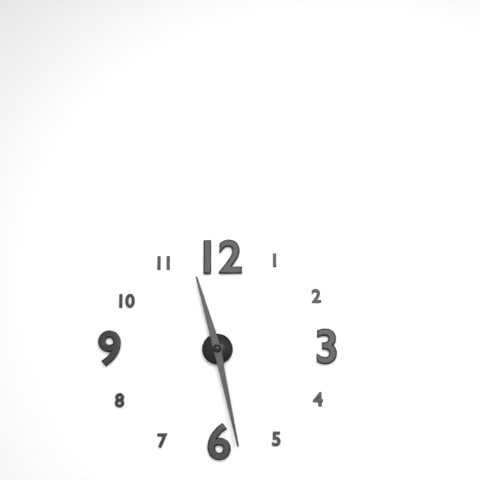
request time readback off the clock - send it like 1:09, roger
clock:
11:28
